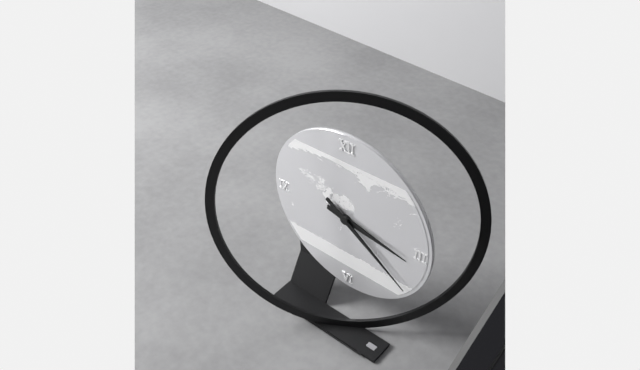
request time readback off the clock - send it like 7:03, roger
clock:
3:21
